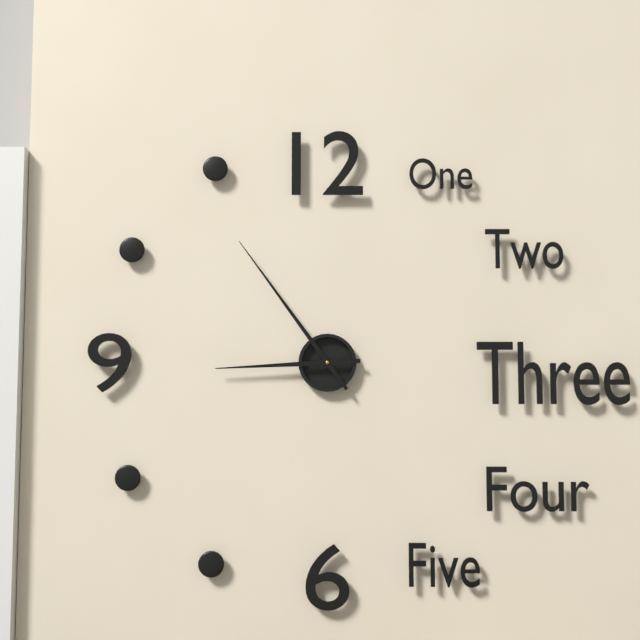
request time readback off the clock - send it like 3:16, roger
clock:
8:54
